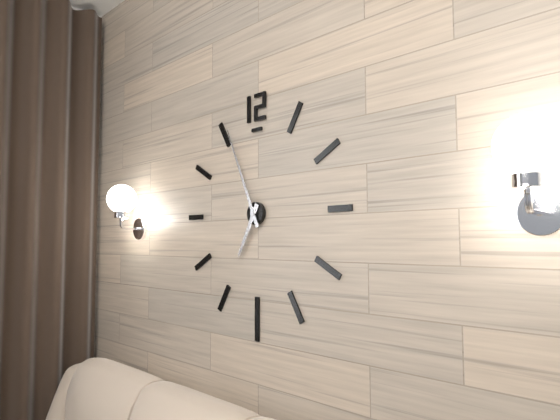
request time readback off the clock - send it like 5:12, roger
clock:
6:56
